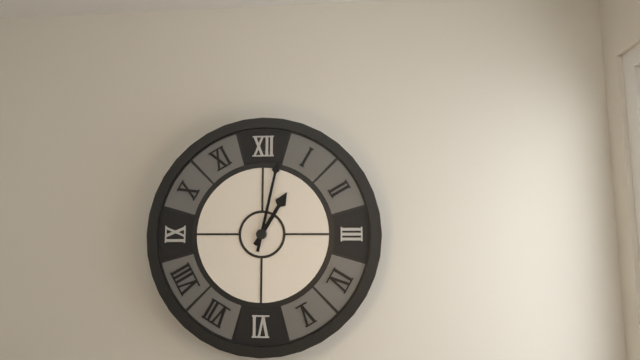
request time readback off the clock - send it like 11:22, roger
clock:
1:02
